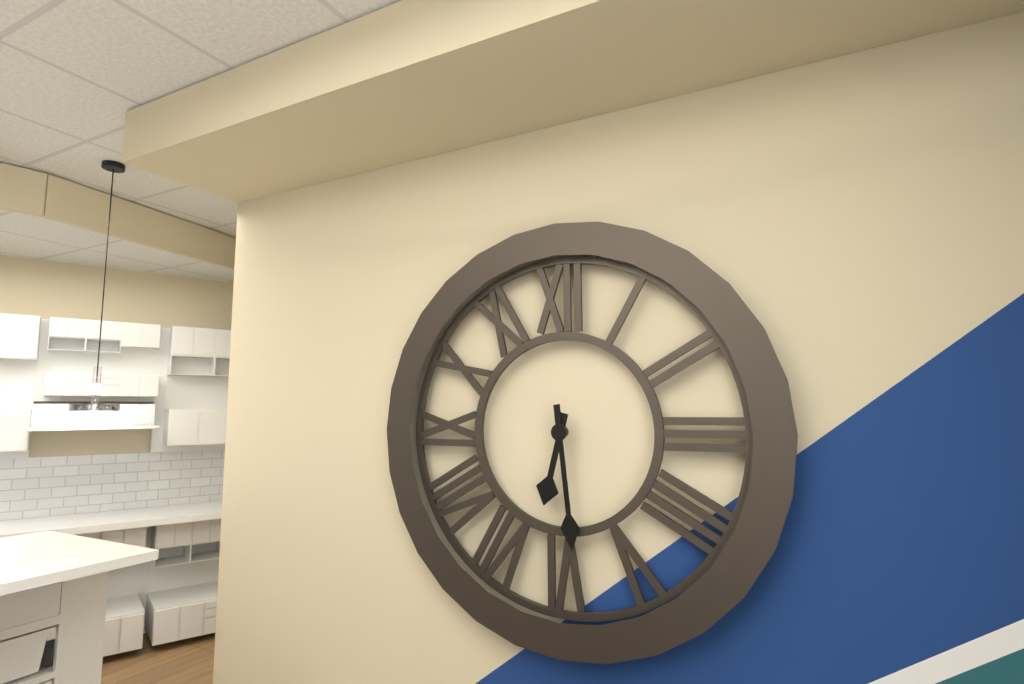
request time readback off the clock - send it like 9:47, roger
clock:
6:29
